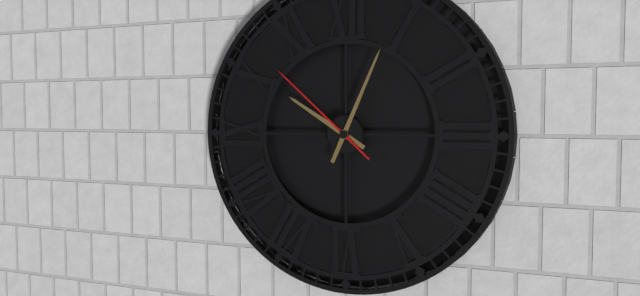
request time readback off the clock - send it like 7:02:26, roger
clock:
10:04:52
